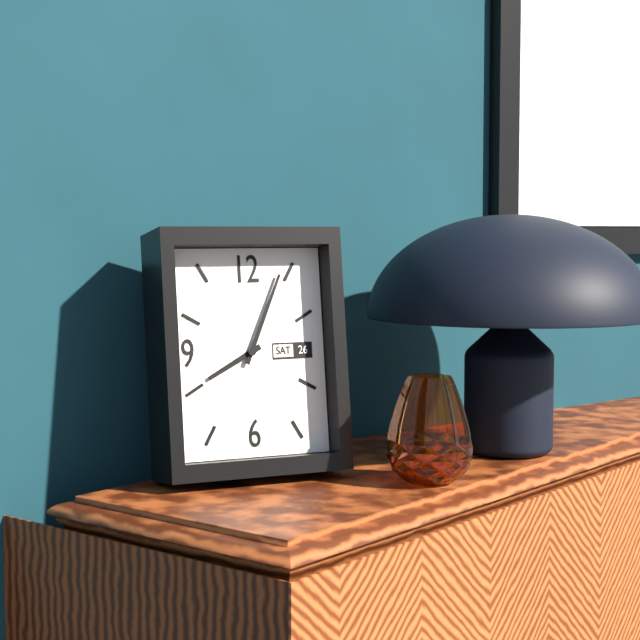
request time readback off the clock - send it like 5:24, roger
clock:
8:04
